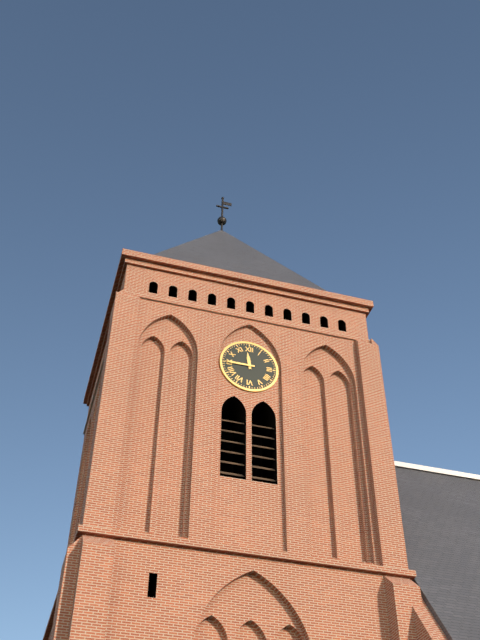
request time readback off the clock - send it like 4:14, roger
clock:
11:45
